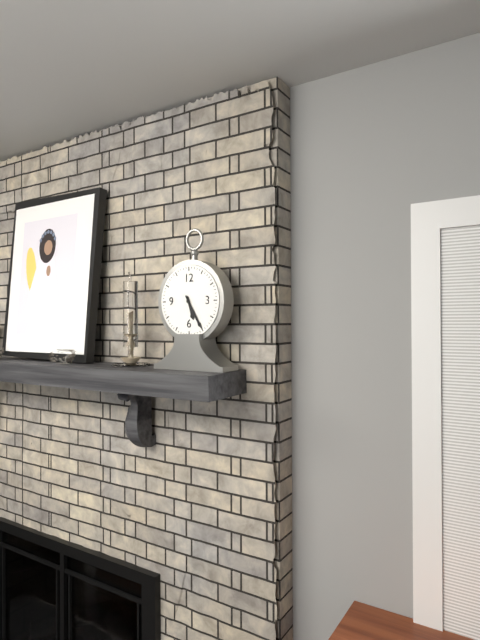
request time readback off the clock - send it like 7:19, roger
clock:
5:25
